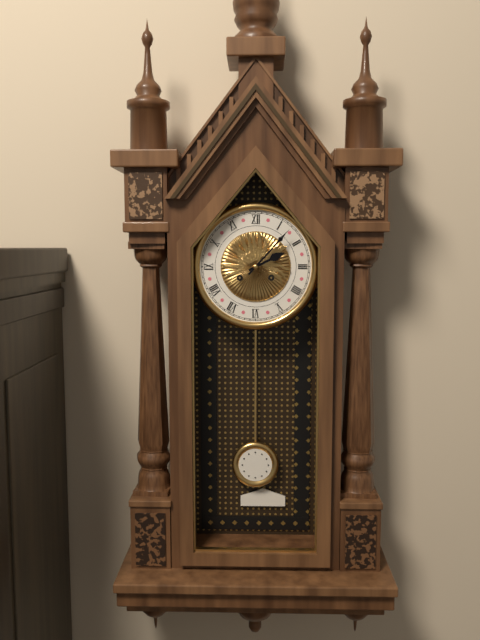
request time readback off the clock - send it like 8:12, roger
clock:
2:07
